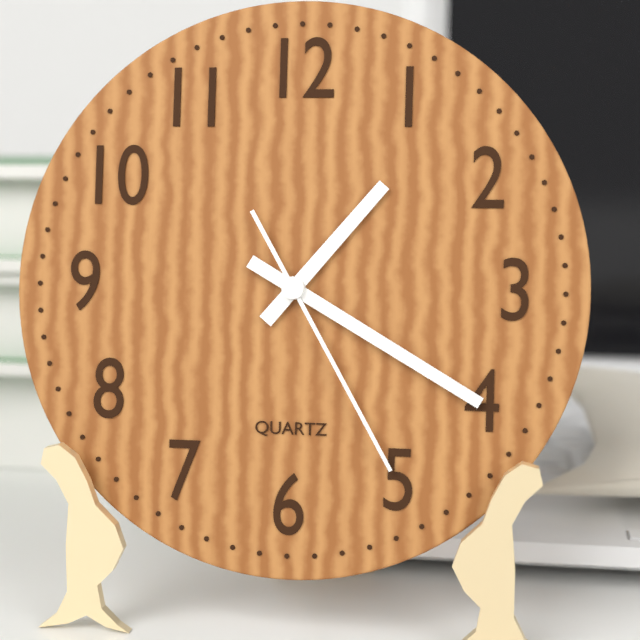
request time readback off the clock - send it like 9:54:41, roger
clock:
1:20:25
